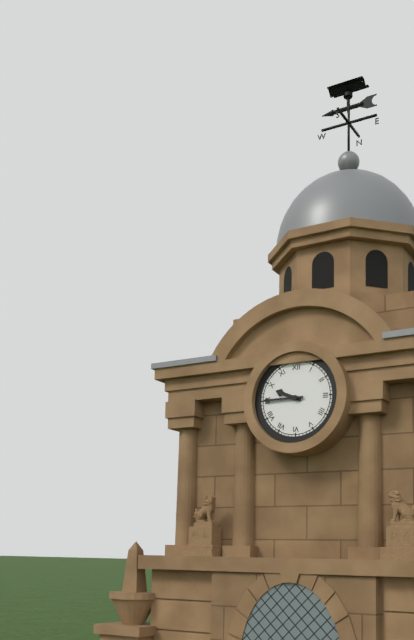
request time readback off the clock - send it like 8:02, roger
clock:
9:45
